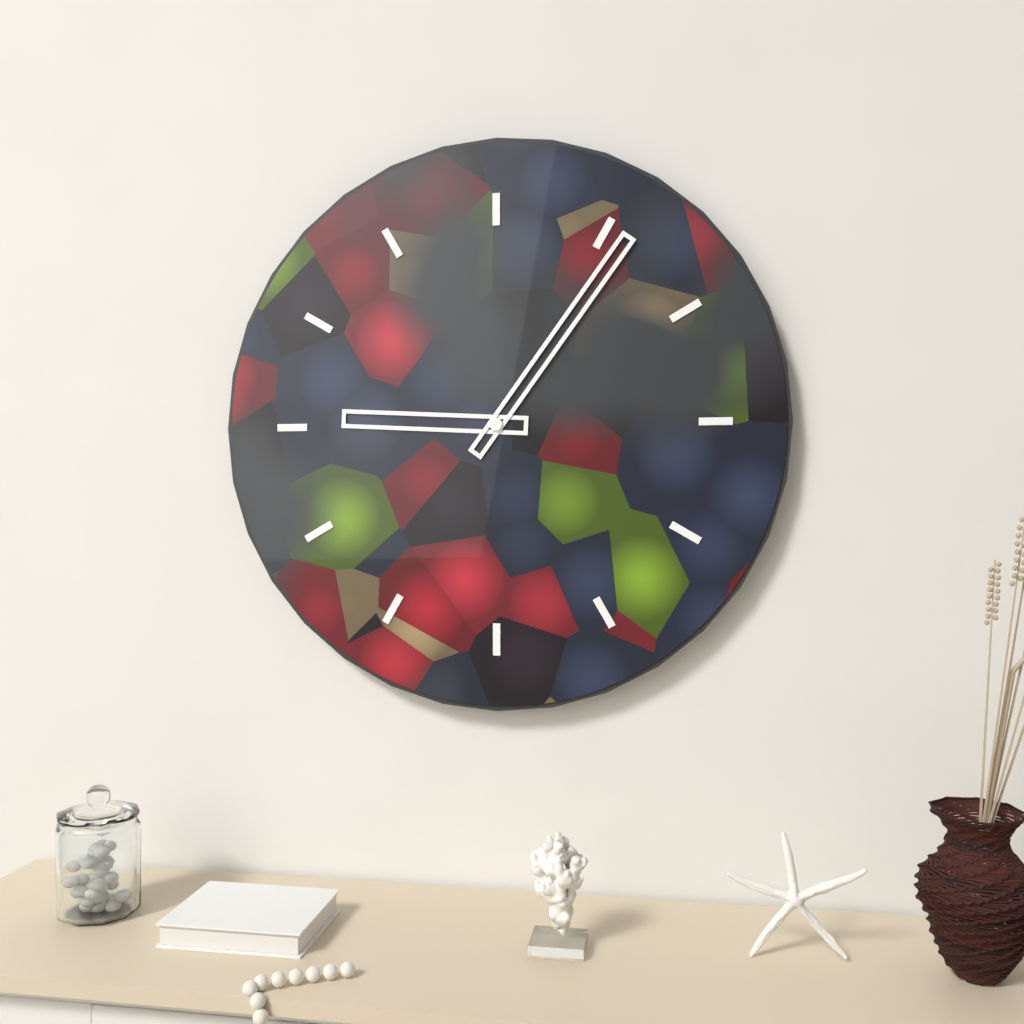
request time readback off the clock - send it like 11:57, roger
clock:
9:06
